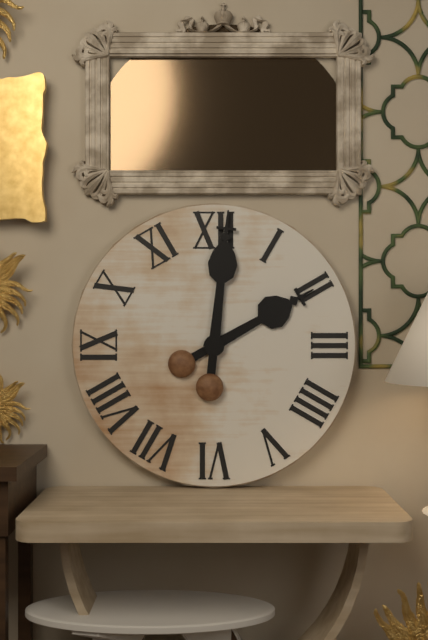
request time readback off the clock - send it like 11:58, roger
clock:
2:01
